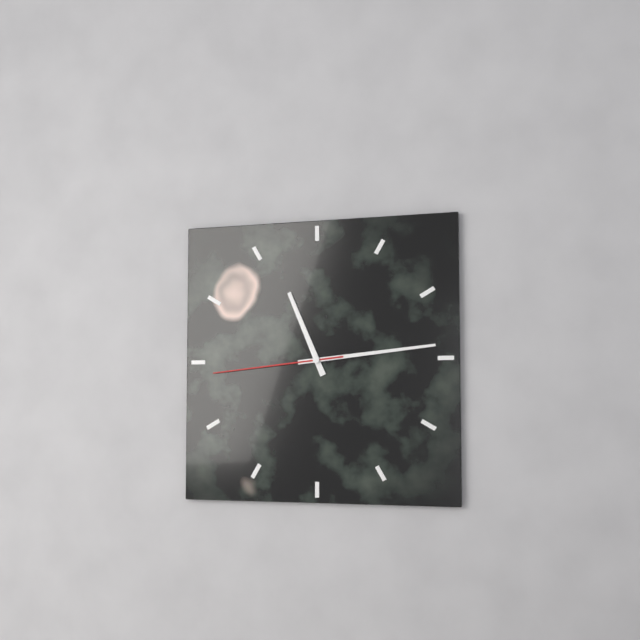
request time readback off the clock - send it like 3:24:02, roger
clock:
11:14:44
